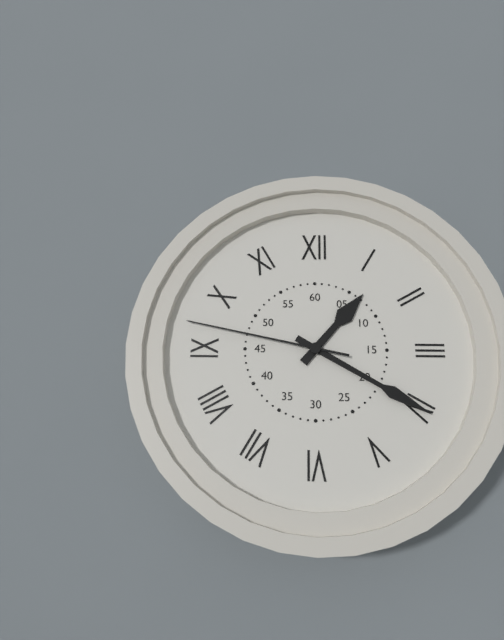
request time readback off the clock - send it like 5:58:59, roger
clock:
1:20:47
